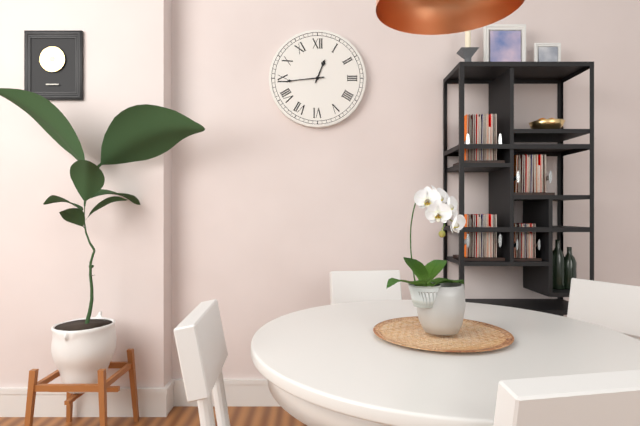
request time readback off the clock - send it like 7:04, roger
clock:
12:44
